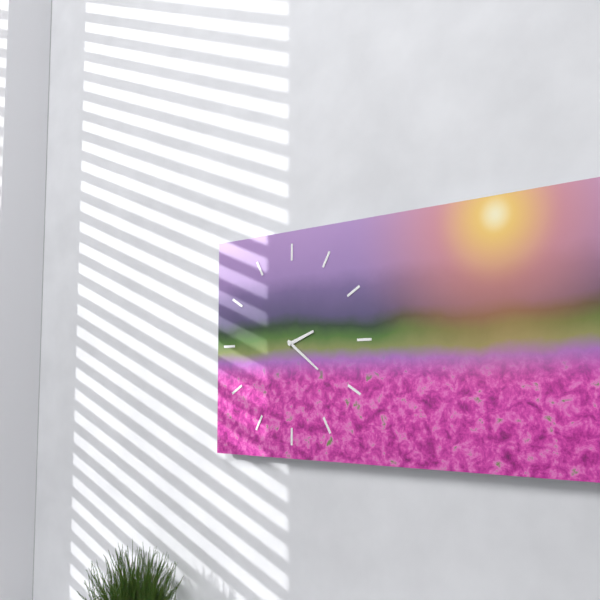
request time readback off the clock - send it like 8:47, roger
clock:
2:21
